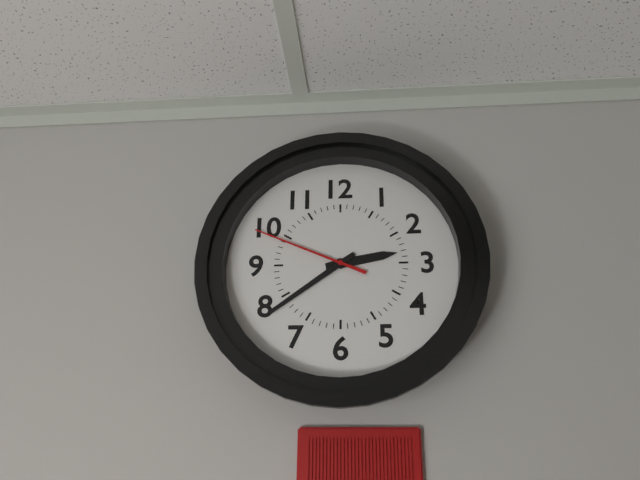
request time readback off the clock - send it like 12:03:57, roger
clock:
2:39:49
